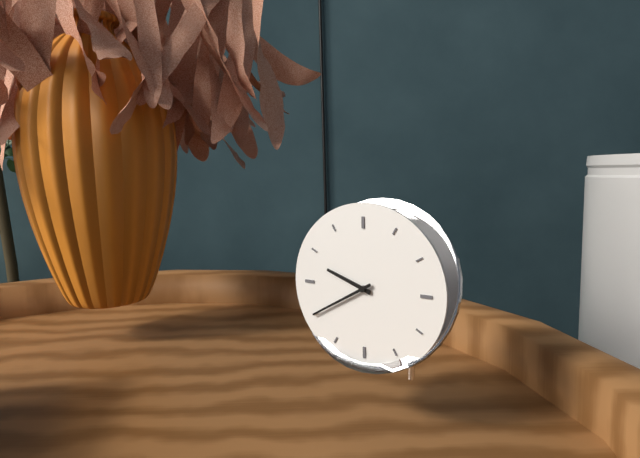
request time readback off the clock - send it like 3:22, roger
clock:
9:40
